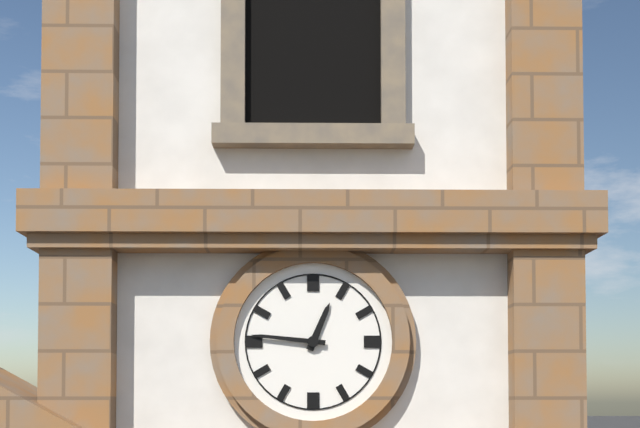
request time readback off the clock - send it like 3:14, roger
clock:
12:46
